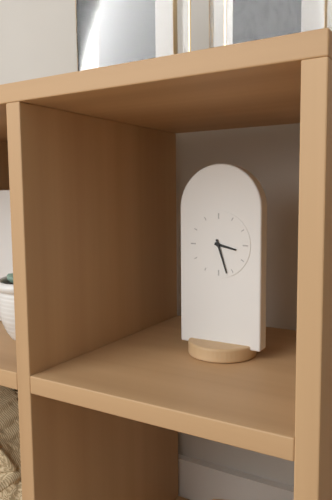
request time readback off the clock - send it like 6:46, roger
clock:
3:27
